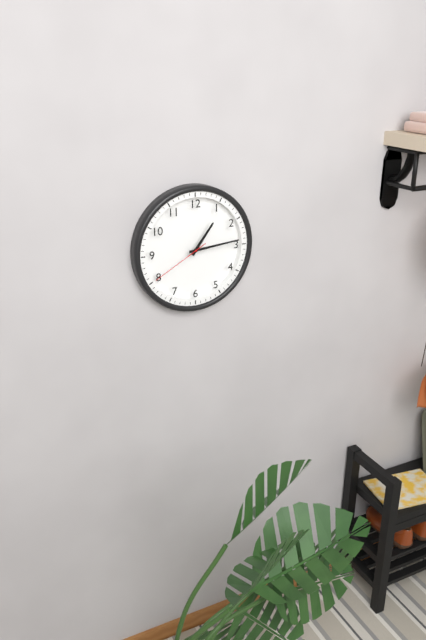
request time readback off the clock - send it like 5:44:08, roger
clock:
1:14:40
